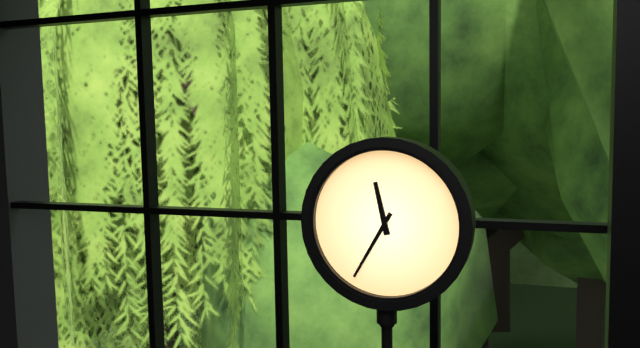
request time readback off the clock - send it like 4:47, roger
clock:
11:35
